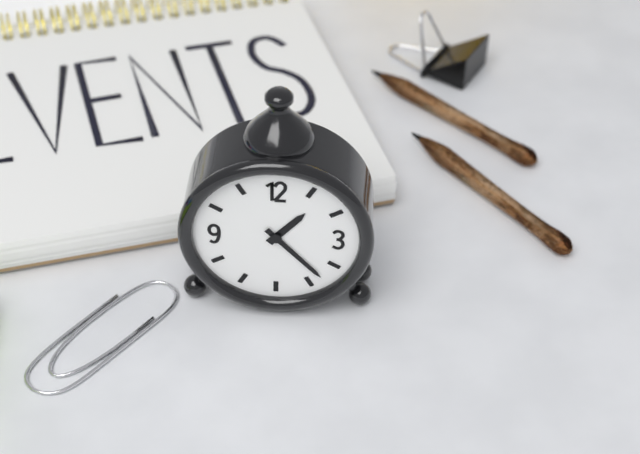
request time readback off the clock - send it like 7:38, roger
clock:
1:23
